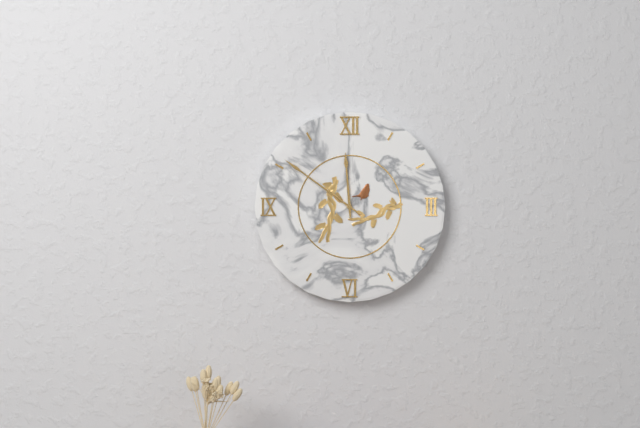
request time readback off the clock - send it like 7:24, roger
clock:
11:51
